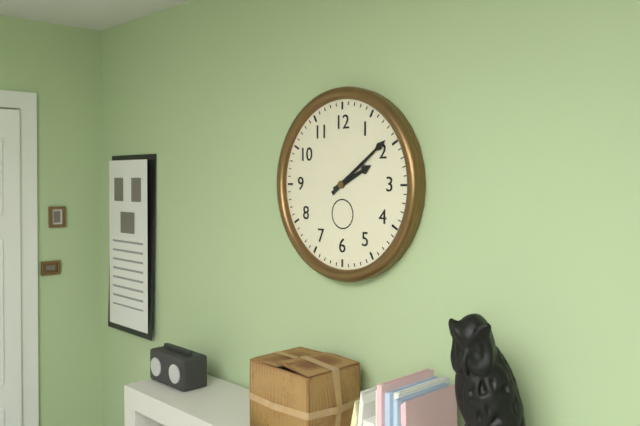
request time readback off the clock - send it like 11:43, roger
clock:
2:09
